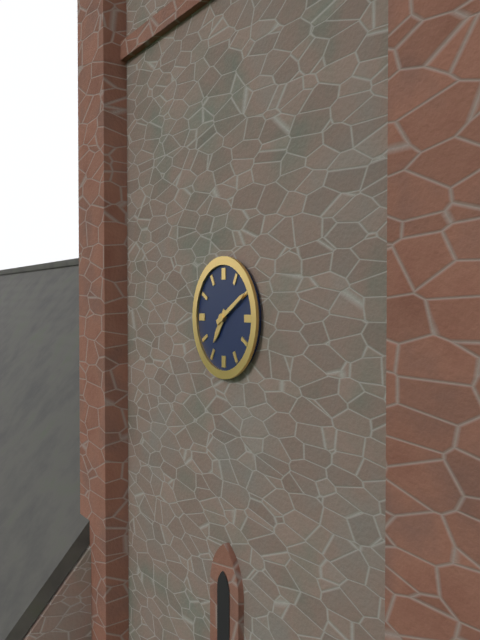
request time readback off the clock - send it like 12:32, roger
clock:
7:10
